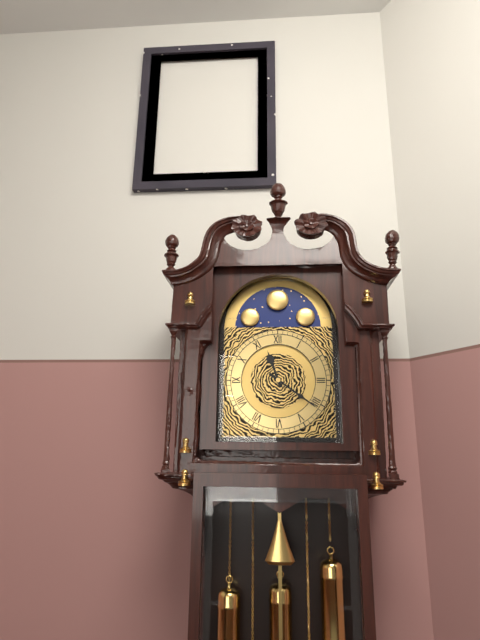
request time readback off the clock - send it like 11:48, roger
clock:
11:21
